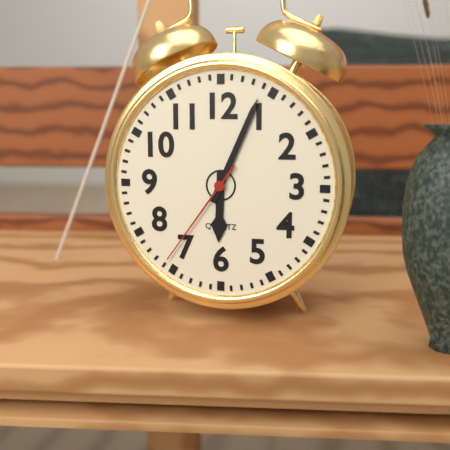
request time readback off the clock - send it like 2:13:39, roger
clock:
6:04:36
